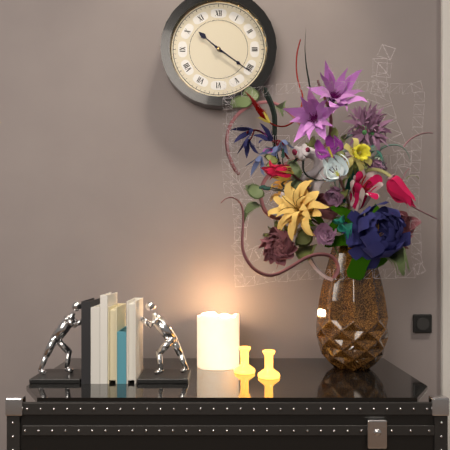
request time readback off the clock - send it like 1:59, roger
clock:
10:21
